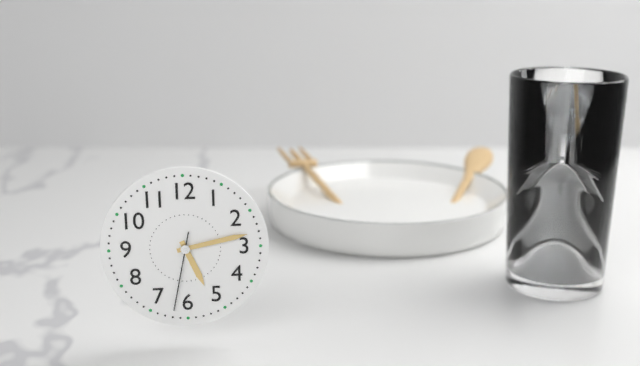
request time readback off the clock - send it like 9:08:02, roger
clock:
5:13:32
